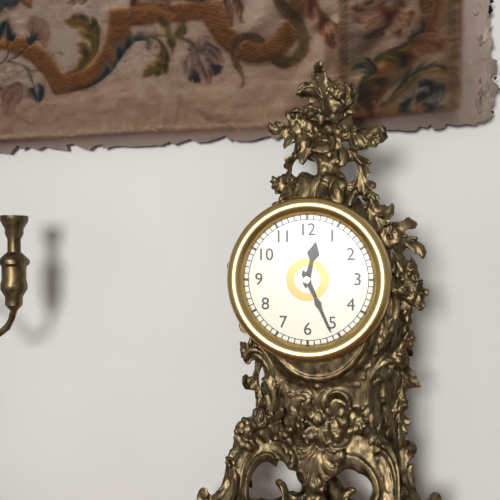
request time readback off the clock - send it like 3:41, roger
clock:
12:26
